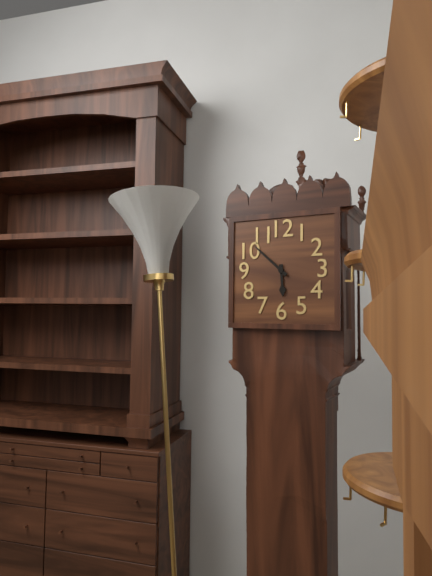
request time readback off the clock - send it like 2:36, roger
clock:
5:52
